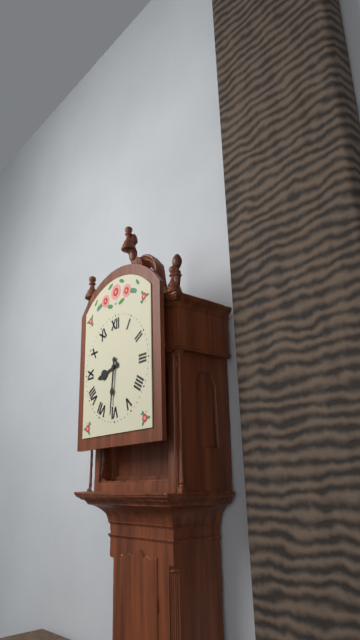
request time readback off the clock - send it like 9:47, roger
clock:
8:31
